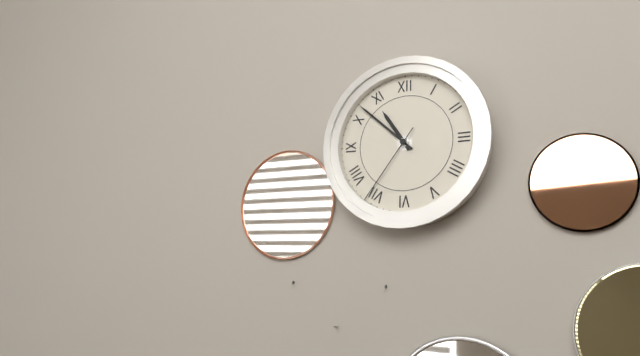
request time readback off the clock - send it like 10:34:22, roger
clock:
10:52:36
